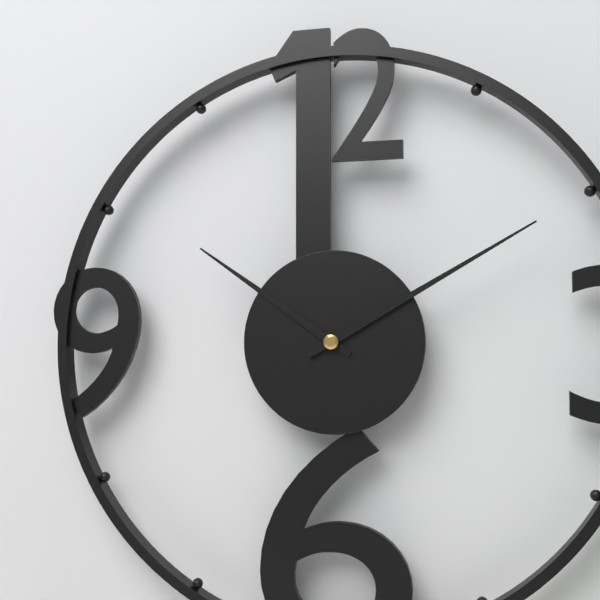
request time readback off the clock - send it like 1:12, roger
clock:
10:10
